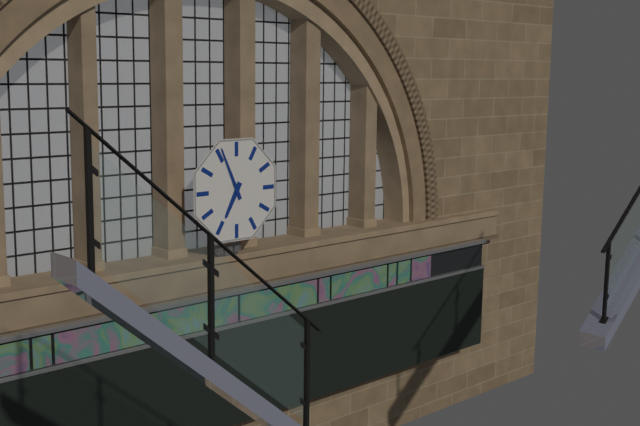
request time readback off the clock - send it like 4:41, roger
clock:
6:56
